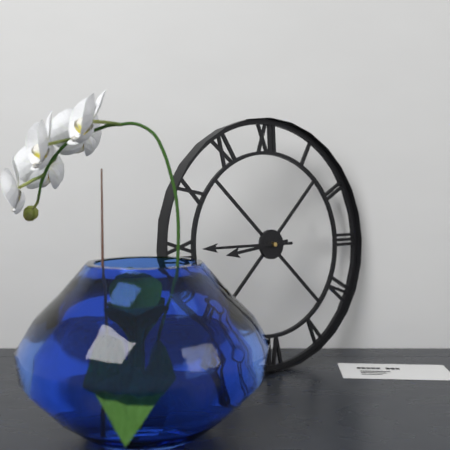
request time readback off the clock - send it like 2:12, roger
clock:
8:45
